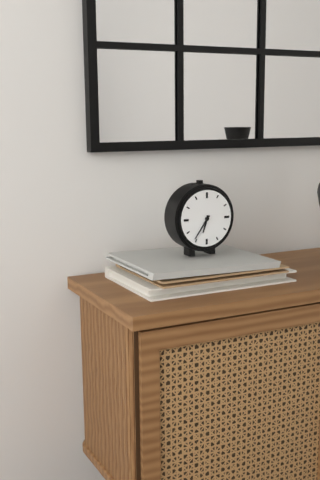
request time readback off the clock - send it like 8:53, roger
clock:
6:36
